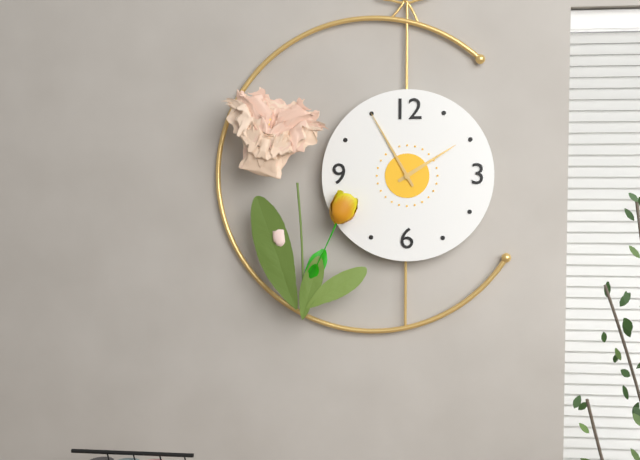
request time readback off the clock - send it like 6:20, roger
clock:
1:55
